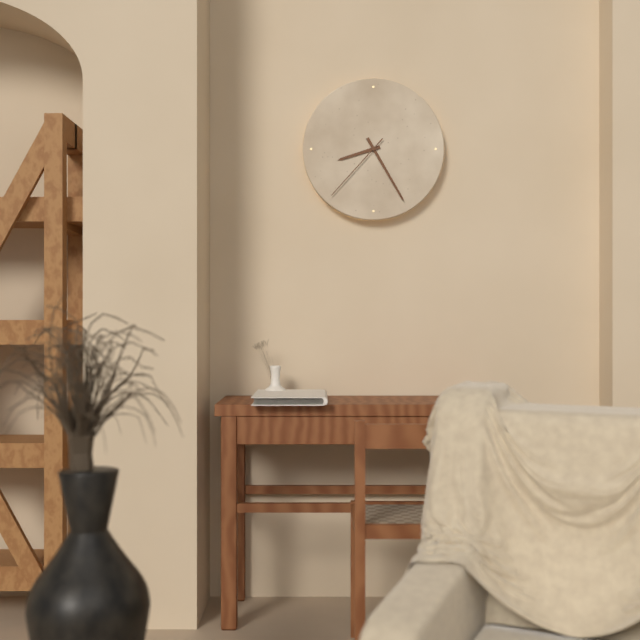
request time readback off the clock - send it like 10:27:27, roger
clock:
8:25:37
